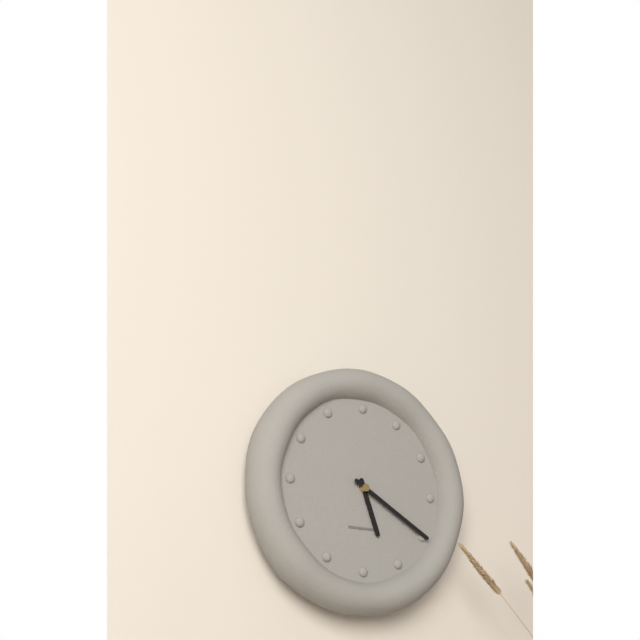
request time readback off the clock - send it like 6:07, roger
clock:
5:20
